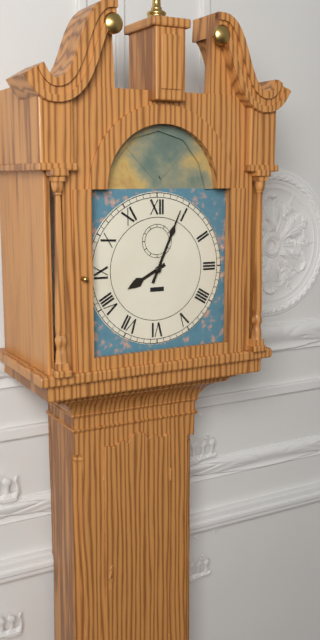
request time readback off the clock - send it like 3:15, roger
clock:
8:04
